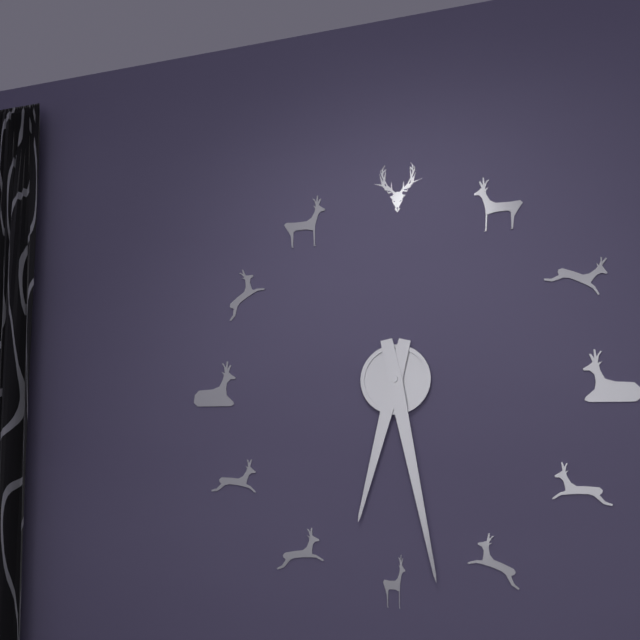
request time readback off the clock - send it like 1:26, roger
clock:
6:28
